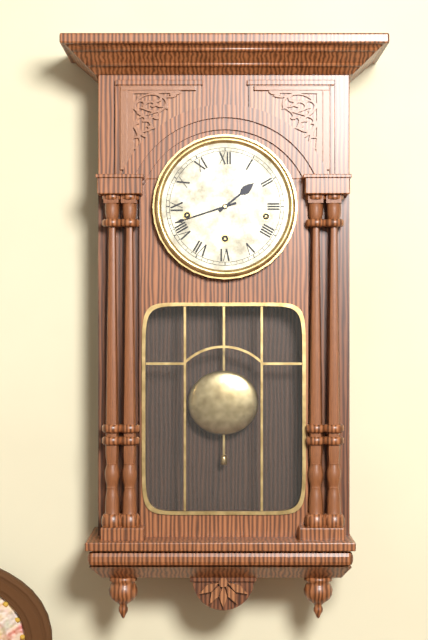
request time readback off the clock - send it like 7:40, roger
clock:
1:42
